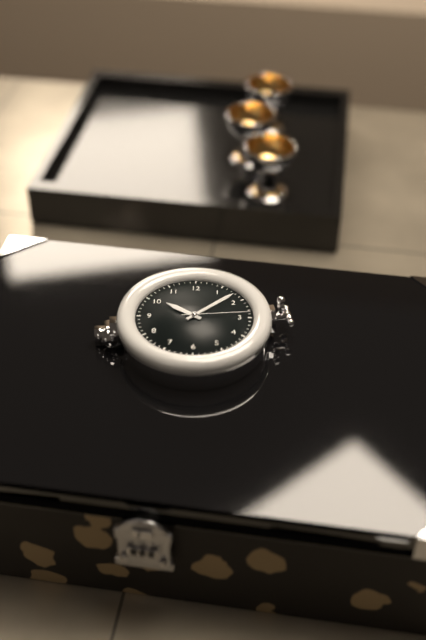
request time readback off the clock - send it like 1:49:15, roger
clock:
10:08:14
